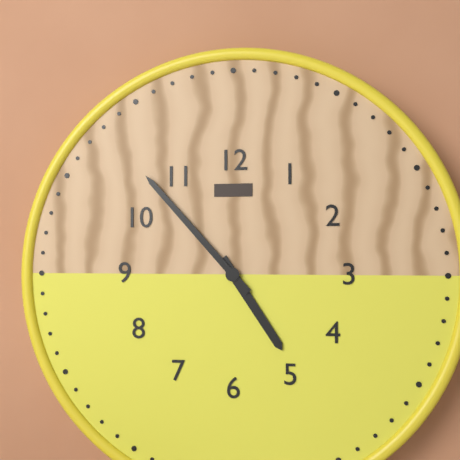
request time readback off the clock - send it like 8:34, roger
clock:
4:53
